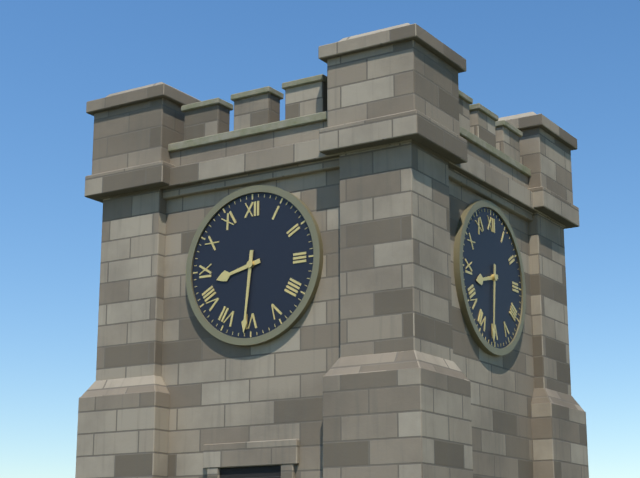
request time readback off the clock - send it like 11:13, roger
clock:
8:31
